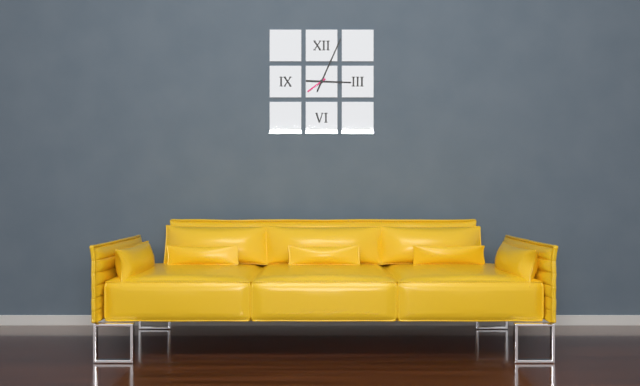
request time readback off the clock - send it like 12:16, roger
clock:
3:04
